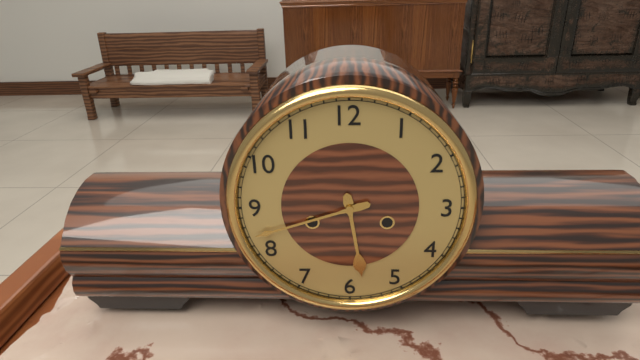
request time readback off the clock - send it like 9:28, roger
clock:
5:42
